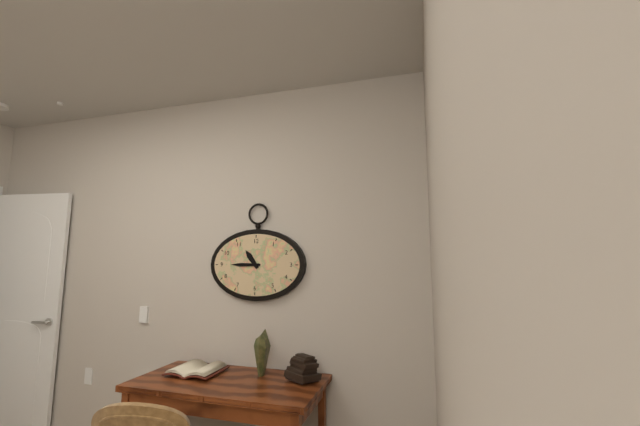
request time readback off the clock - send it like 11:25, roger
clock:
10:45
